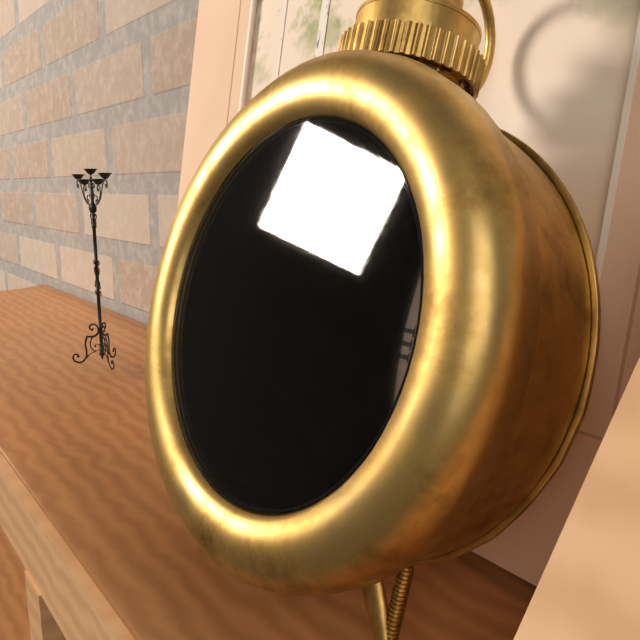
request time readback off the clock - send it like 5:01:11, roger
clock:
4:18:19
